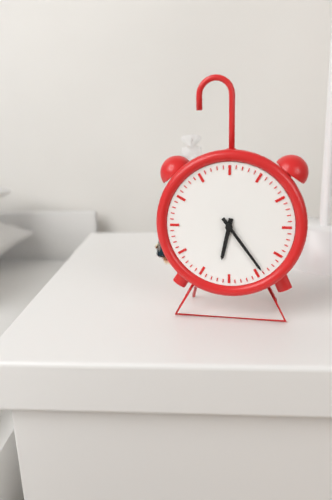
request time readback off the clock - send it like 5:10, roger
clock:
6:24
